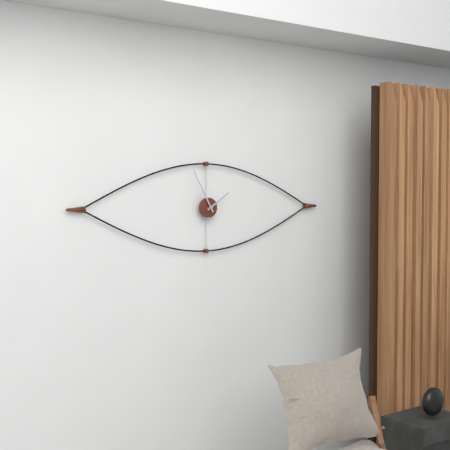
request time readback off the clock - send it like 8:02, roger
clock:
1:55
